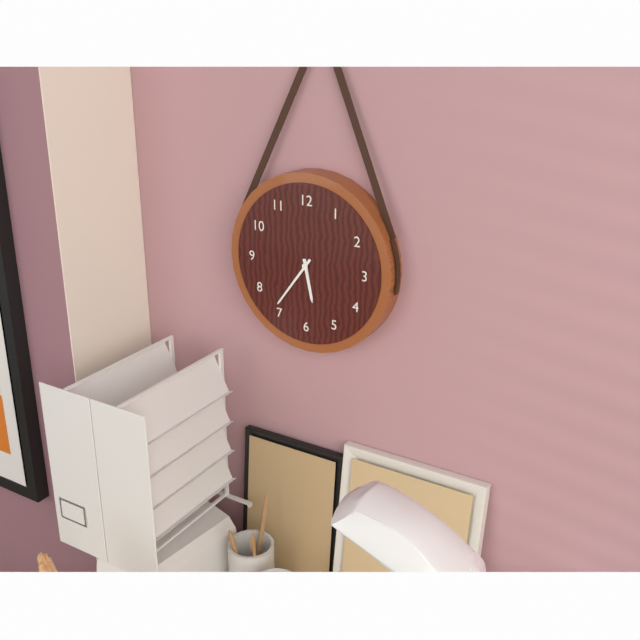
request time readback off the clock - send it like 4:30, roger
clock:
5:36
